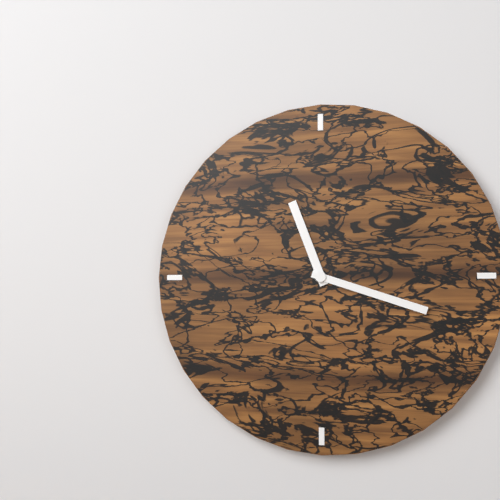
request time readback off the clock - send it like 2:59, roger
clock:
11:18
